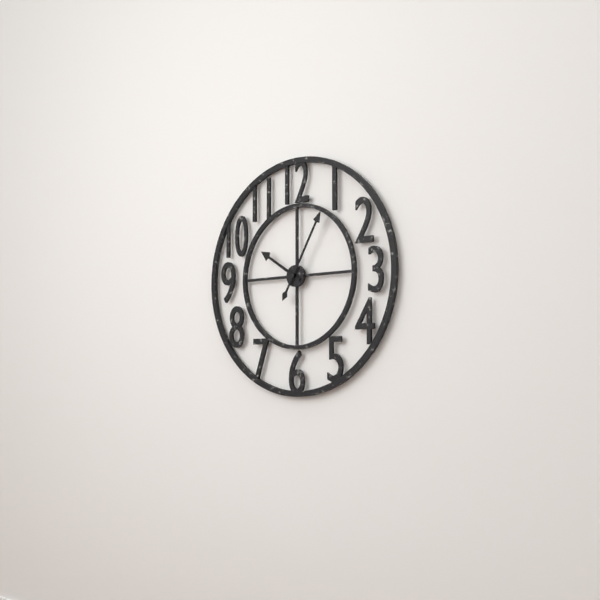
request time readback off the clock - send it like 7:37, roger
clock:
10:05
